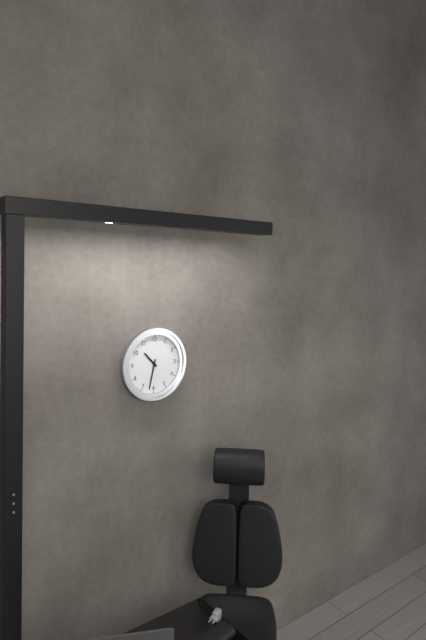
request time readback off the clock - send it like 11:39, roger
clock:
10:32
